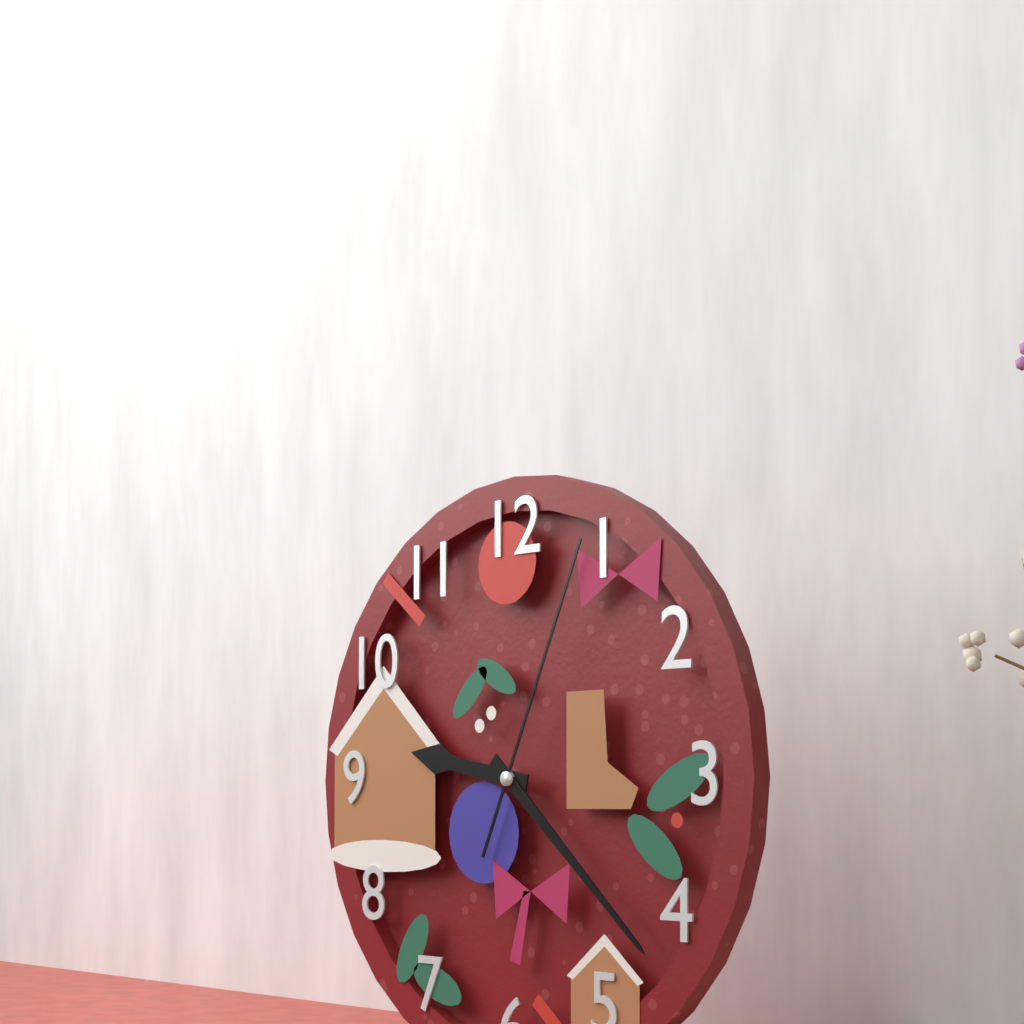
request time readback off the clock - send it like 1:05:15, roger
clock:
9:22:04
